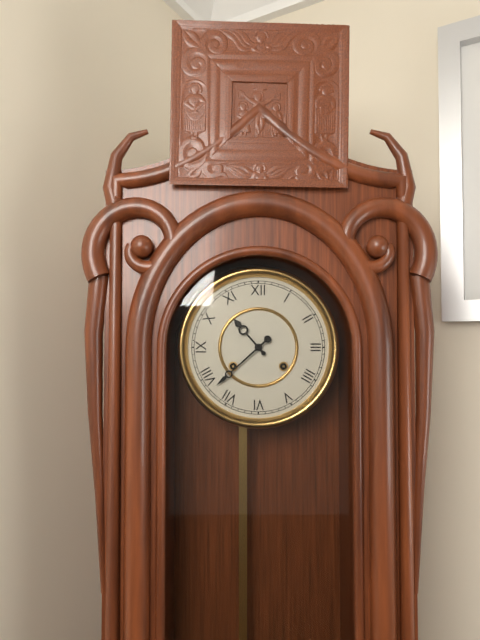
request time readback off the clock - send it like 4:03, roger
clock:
10:38
